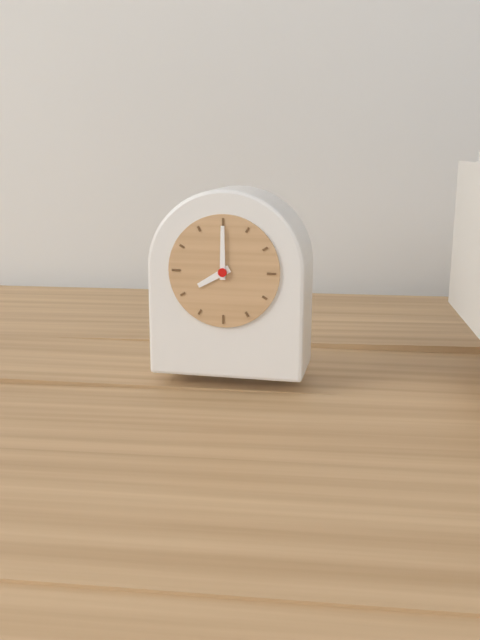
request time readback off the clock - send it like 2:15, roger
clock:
8:00
